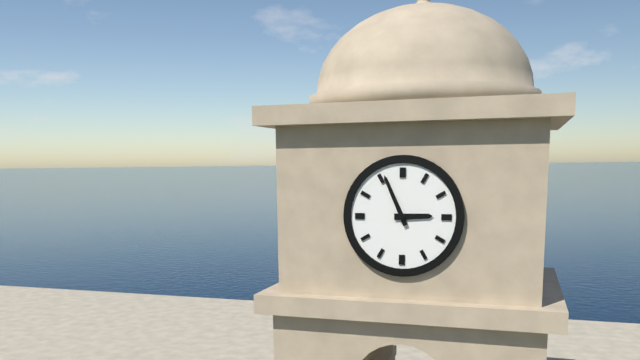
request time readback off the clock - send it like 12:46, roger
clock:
2:56
